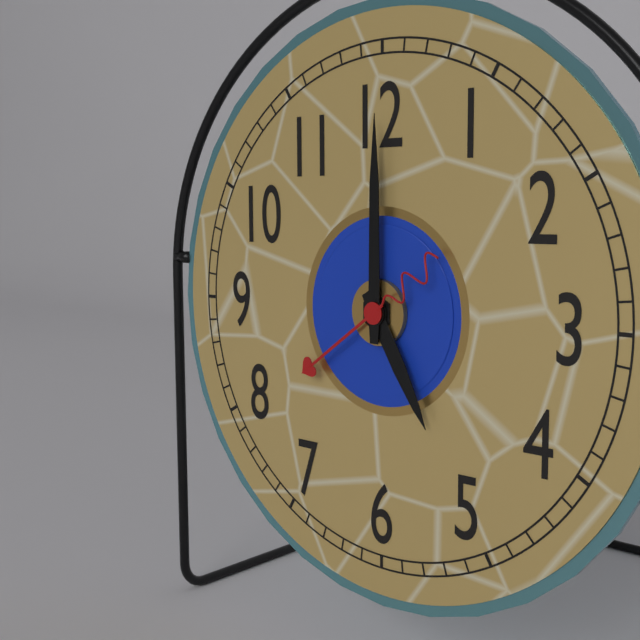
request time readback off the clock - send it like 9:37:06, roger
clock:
5:00:39
